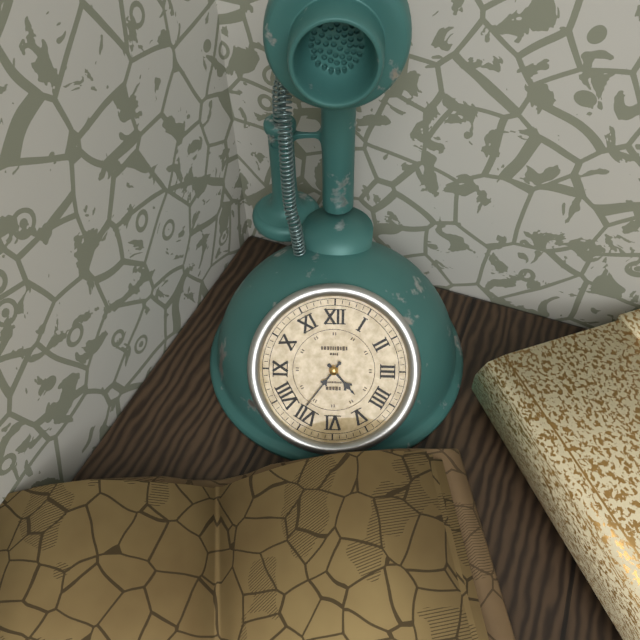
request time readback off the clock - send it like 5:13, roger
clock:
4:36
